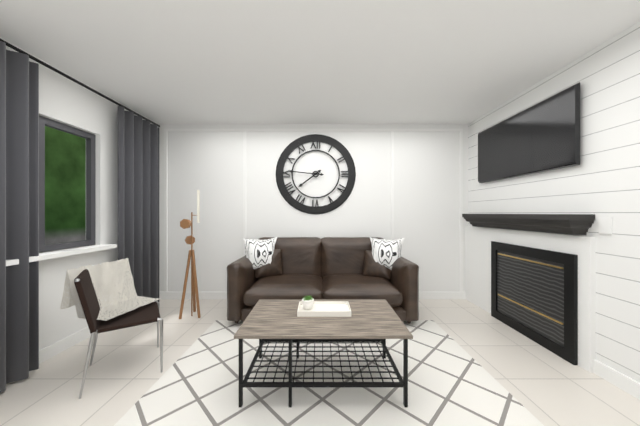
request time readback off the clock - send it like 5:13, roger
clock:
7:46
